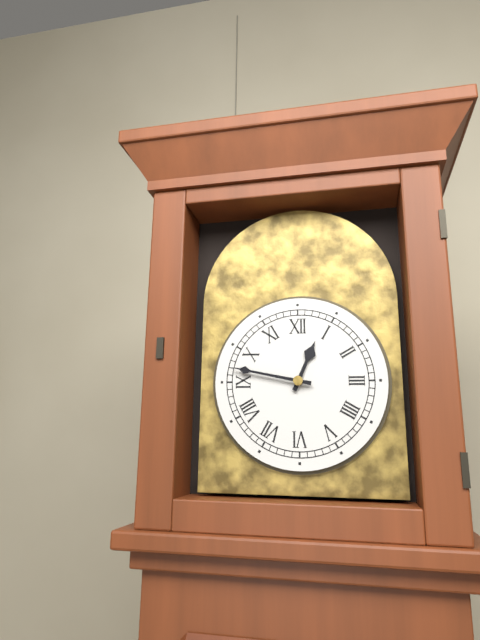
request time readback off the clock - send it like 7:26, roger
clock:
12:47
